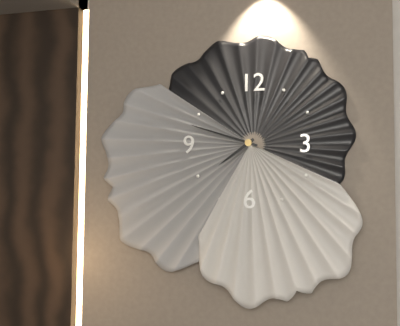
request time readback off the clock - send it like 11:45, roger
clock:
7:48
